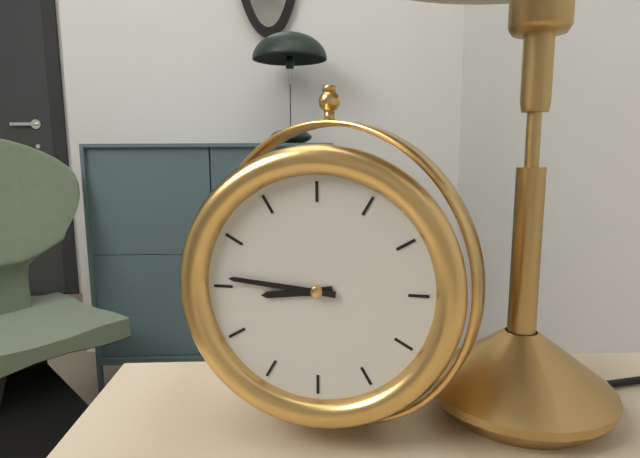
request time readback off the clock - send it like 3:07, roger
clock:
8:46
